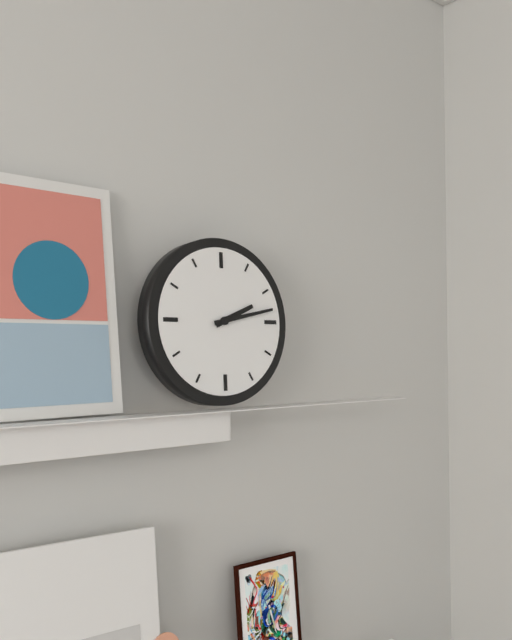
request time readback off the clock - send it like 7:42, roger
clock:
2:13
